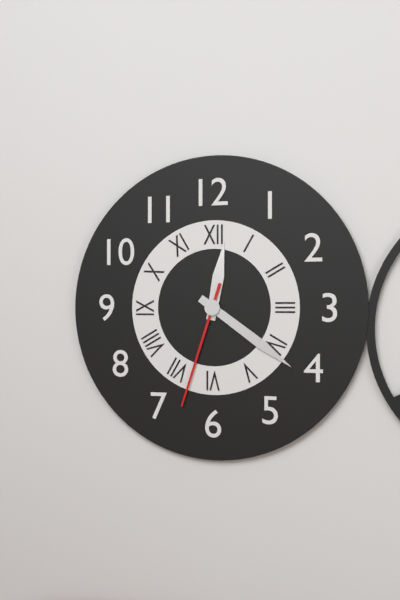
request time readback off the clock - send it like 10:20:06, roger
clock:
12:21:33
